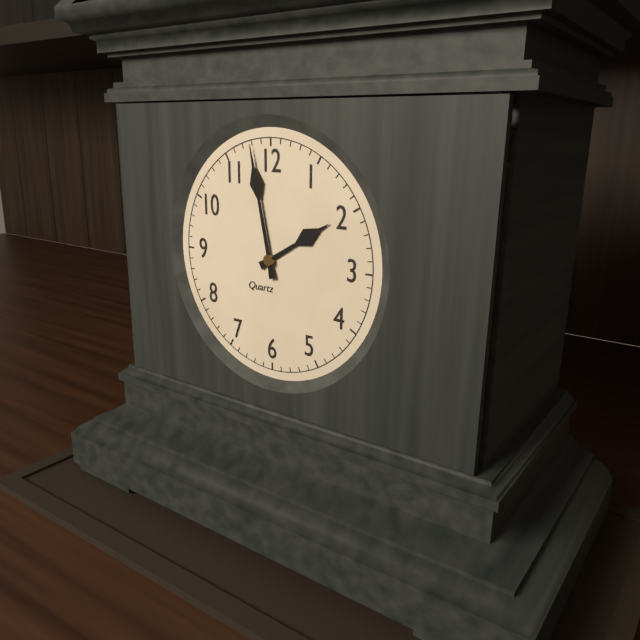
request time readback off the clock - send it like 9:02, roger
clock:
1:58
